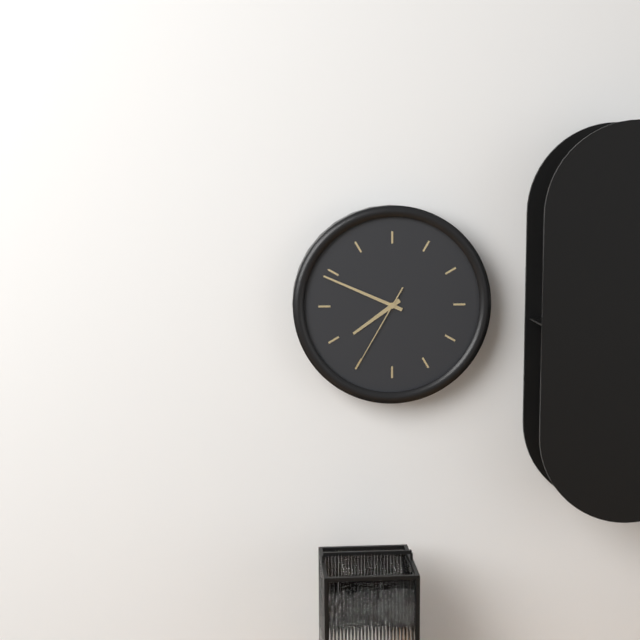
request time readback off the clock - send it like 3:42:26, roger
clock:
7:49:35
